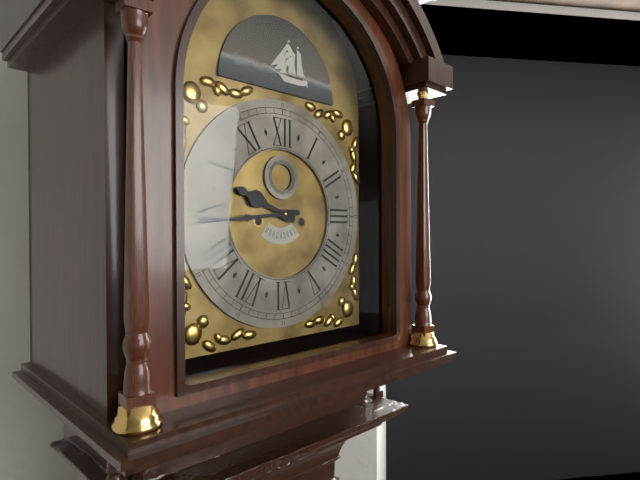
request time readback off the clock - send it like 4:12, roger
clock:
9:44
